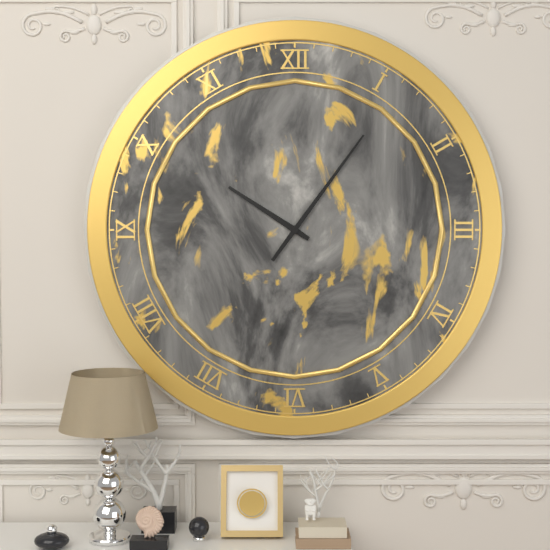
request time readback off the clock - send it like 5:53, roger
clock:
10:06
